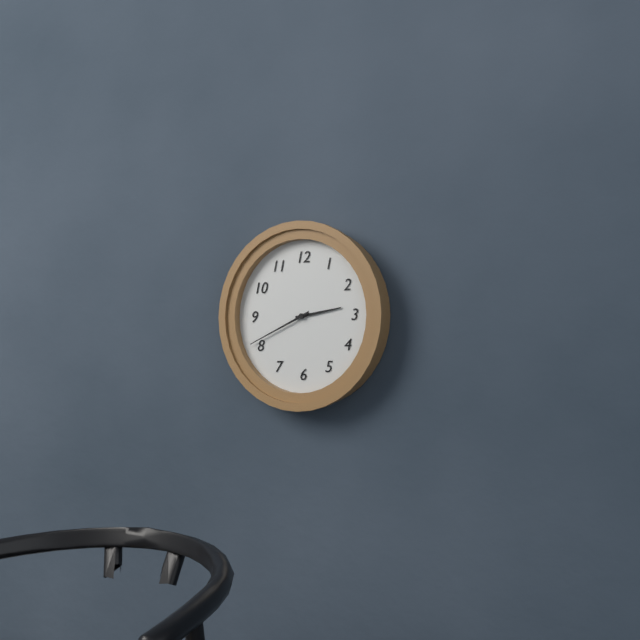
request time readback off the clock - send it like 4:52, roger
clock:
2:41
